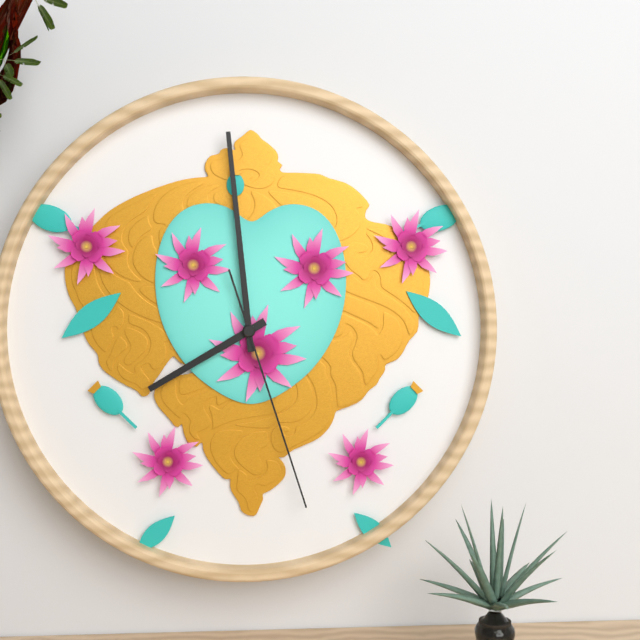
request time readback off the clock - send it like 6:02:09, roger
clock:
7:59:27
